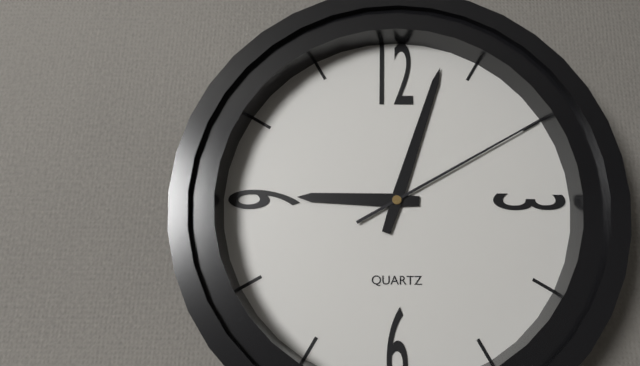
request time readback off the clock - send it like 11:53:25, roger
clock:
9:03:10
